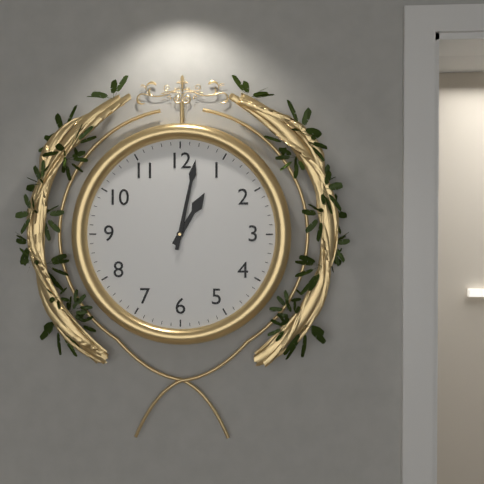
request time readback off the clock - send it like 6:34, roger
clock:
1:02
